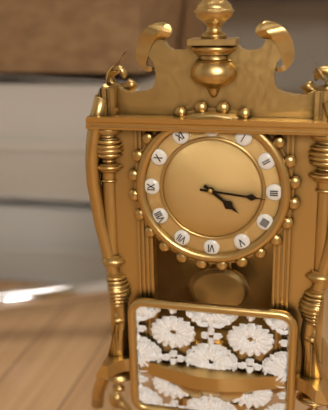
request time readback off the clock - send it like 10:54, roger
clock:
4:16
